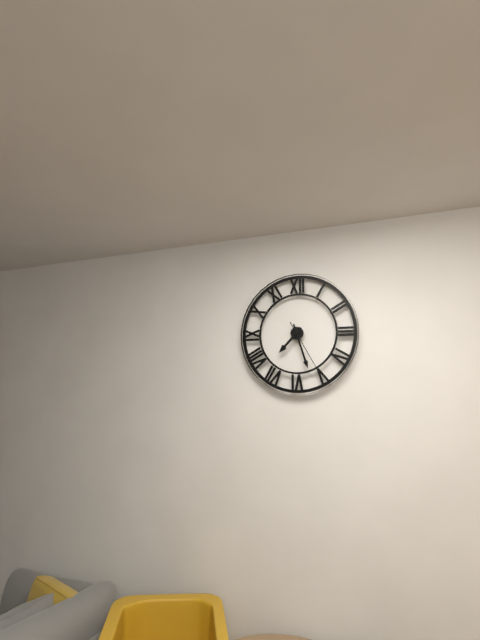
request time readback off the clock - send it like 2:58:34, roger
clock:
7:27:25
